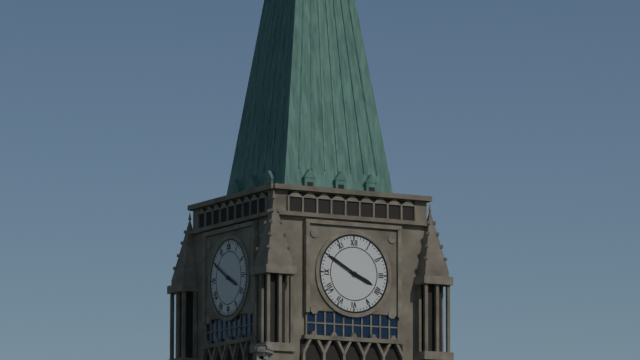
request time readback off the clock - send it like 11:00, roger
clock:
3:50
